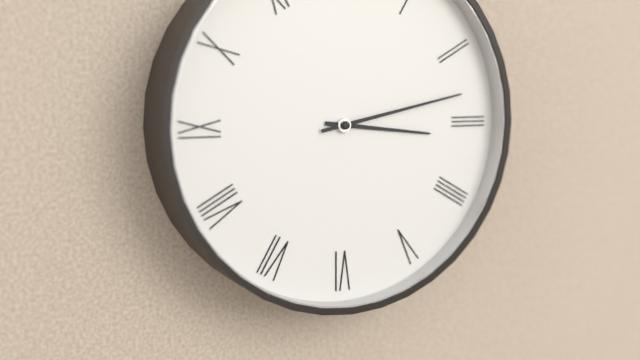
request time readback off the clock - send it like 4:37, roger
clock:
3:13
